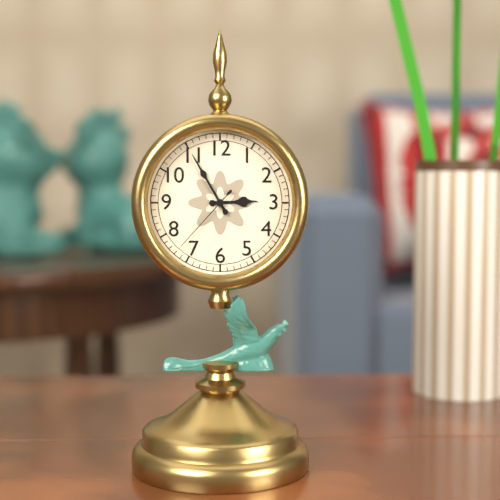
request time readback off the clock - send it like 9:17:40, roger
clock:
2:55:37
